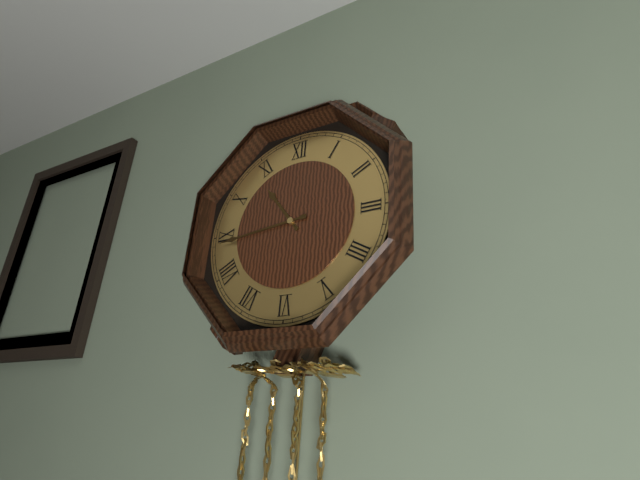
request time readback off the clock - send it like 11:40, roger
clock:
10:44
